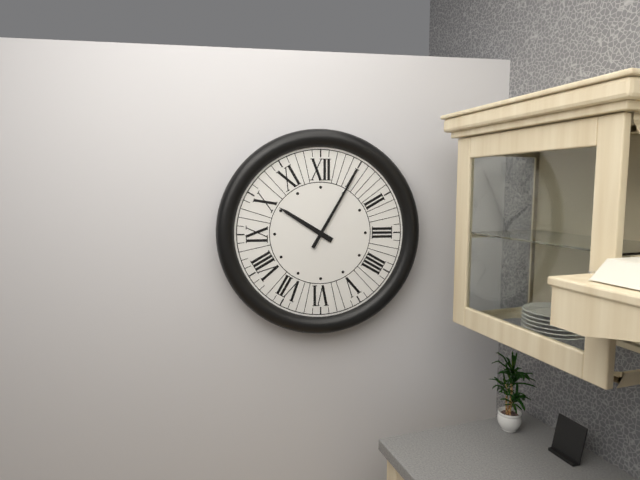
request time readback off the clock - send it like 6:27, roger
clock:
10:05
